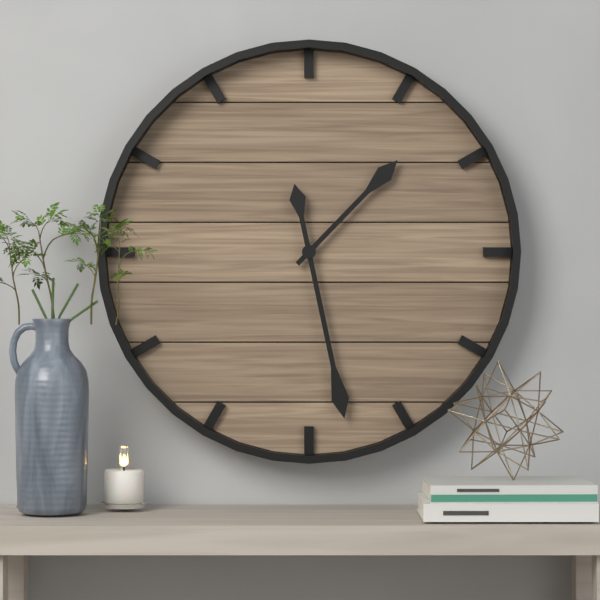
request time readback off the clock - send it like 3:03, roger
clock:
1:28
